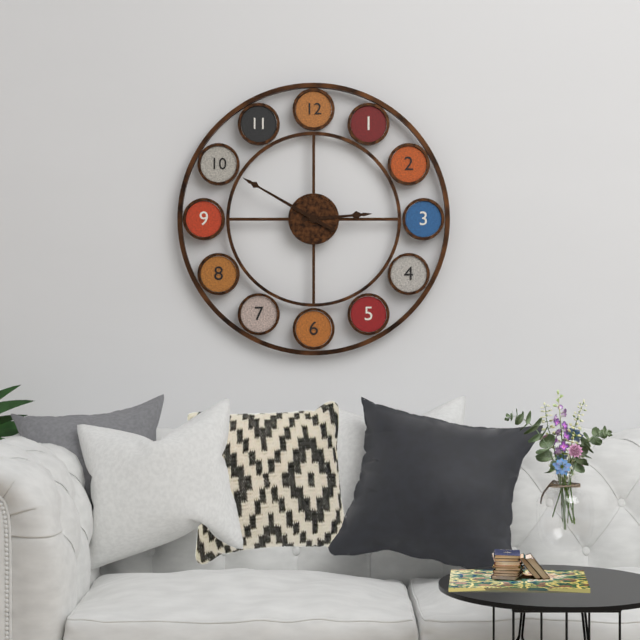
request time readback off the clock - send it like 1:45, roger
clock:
2:50
